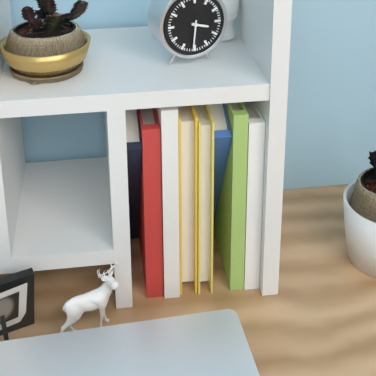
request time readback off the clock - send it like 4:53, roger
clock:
3:31
